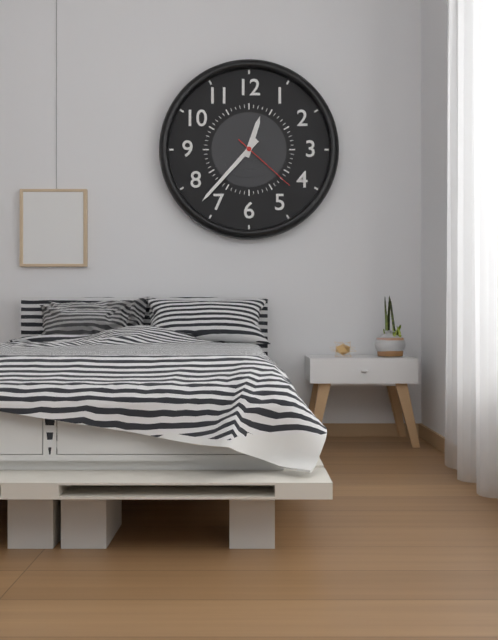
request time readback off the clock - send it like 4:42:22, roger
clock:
12:37:22
